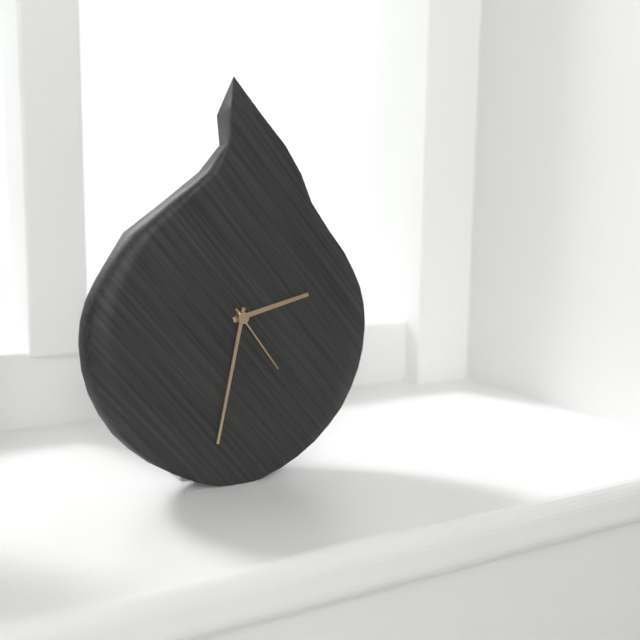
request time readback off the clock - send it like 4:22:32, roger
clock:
2:32:24
